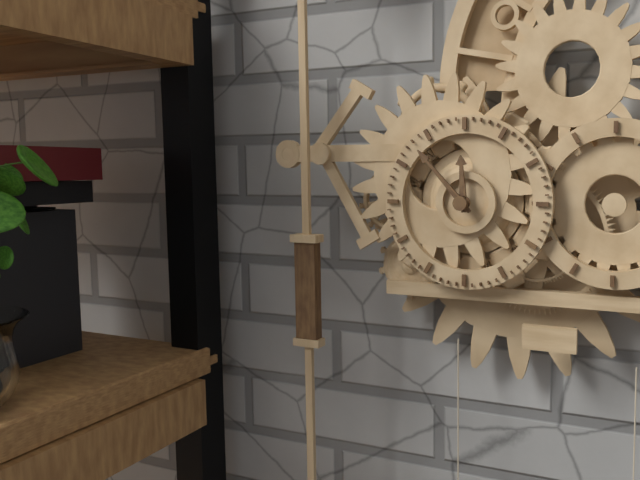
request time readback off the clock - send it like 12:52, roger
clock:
11:53
